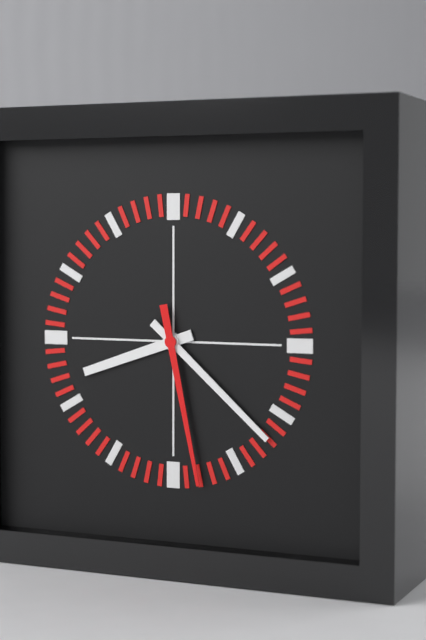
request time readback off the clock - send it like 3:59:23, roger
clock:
8:22:28
